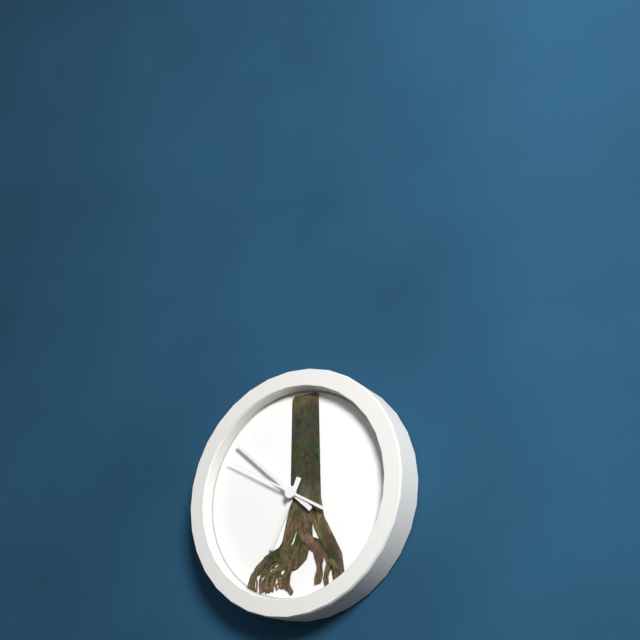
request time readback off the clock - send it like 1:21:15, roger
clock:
6:52:50
